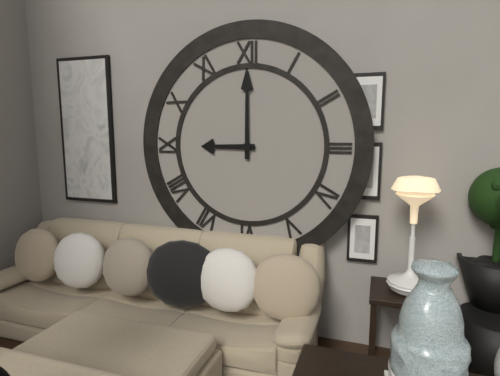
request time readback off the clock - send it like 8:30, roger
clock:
9:00
